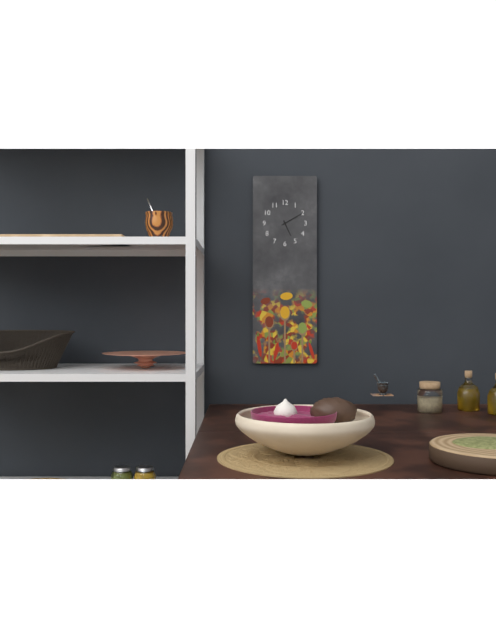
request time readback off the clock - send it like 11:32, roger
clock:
5:10
